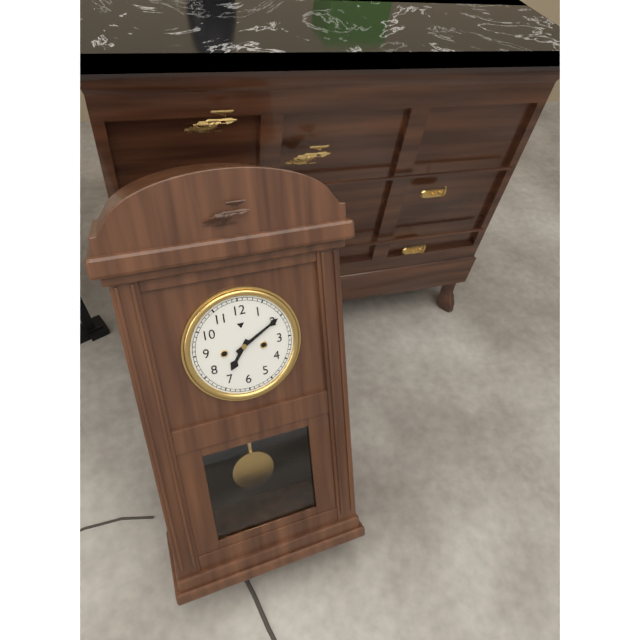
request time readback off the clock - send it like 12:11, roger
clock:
7:10
